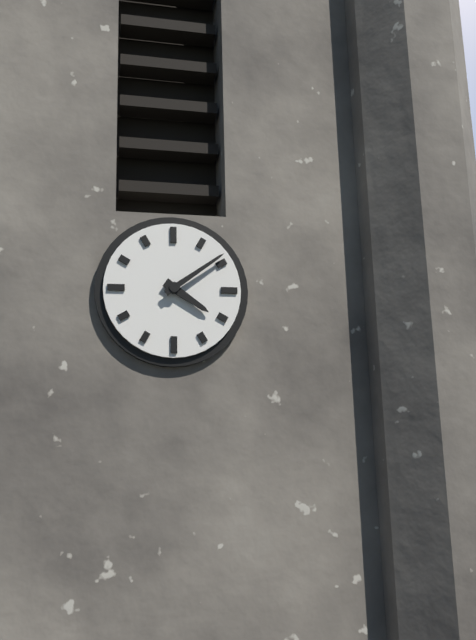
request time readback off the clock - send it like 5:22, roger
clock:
4:09
